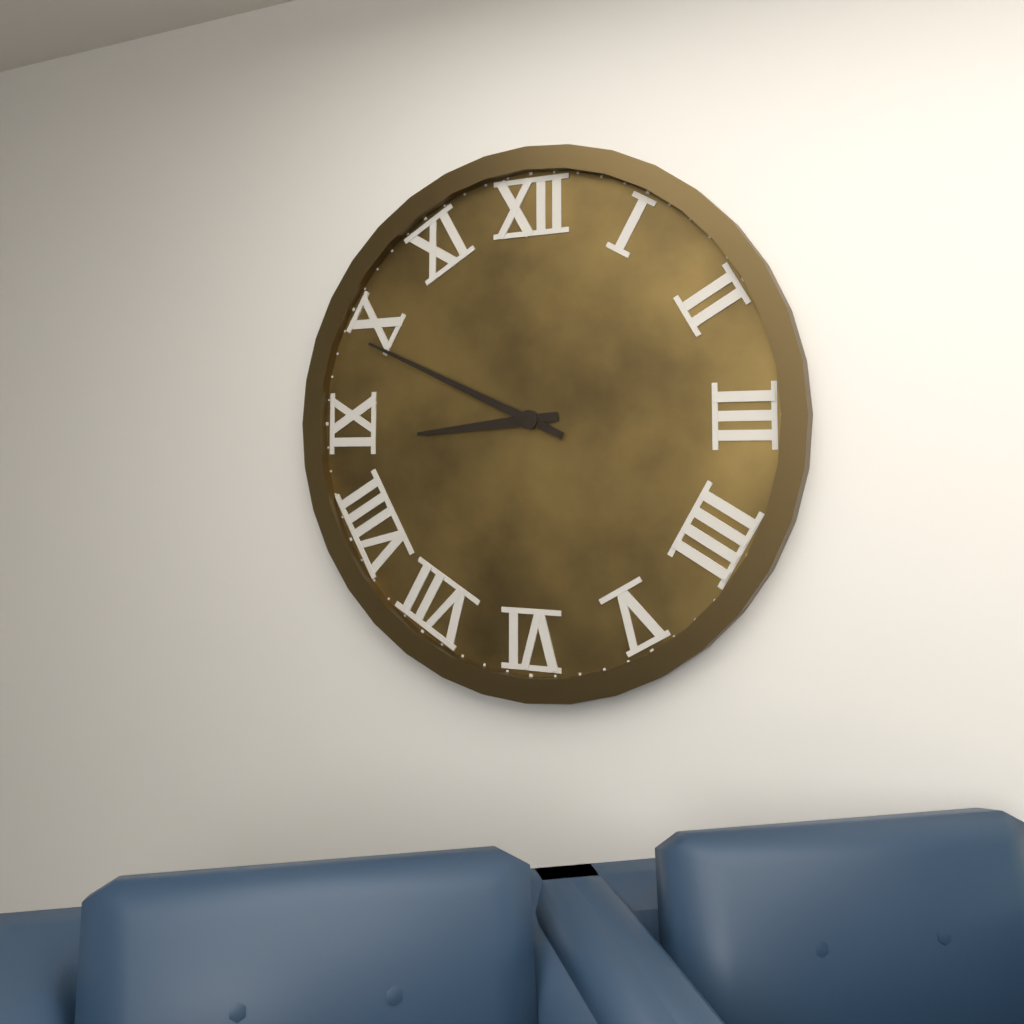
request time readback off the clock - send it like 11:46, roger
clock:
8:49
